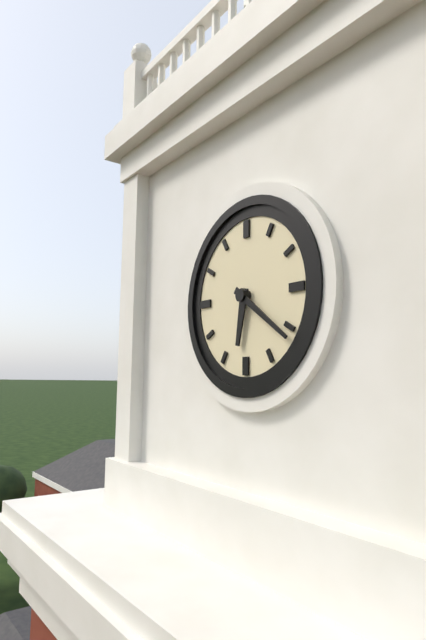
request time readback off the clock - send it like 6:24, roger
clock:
6:21
